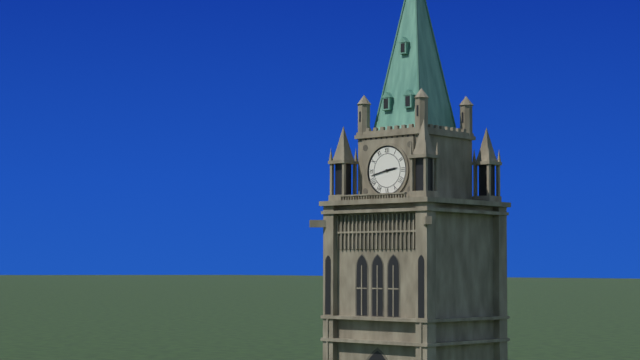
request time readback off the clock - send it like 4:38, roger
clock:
2:43
